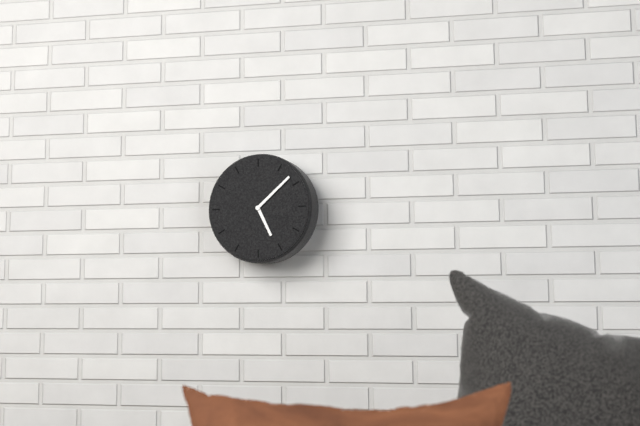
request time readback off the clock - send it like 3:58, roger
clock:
5:08
